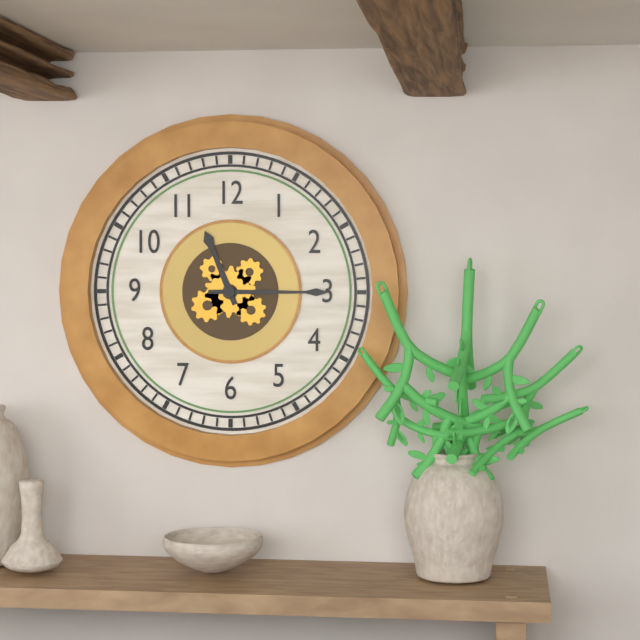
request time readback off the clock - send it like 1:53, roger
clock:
11:15
